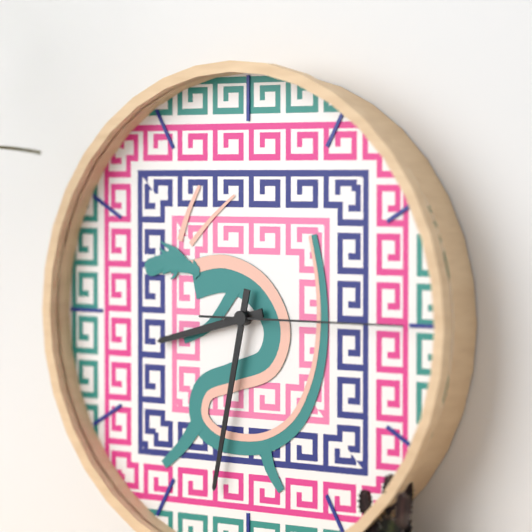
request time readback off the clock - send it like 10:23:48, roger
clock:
8:32:15
